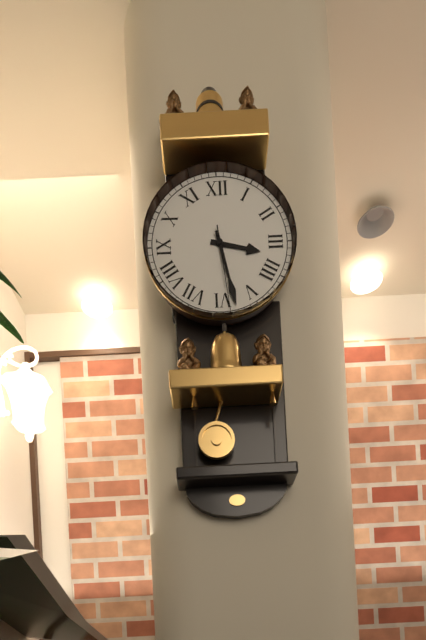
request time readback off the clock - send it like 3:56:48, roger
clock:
3:28:29
